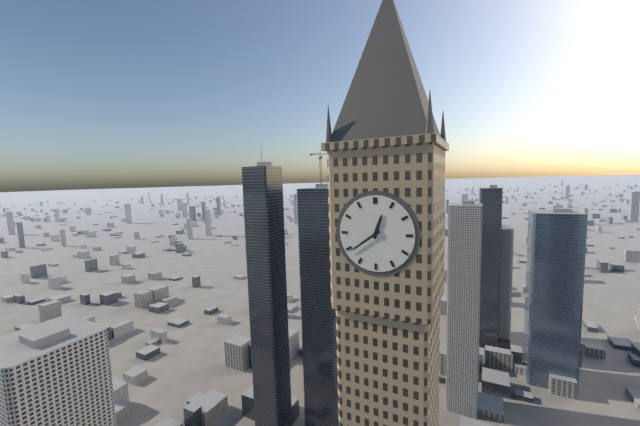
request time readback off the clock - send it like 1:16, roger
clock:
12:39
